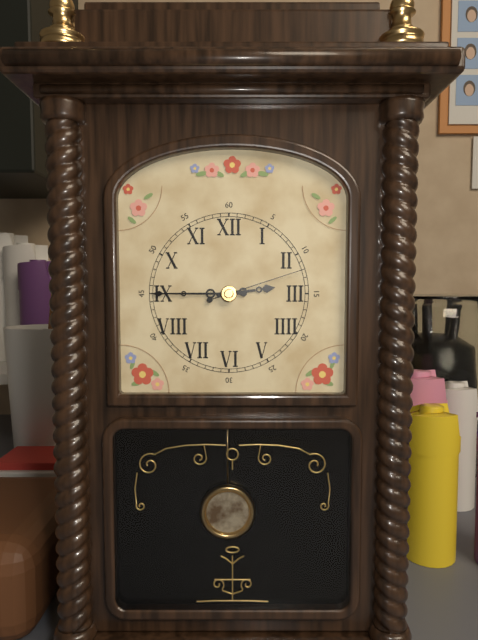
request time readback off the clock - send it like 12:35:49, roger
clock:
2:45:12
